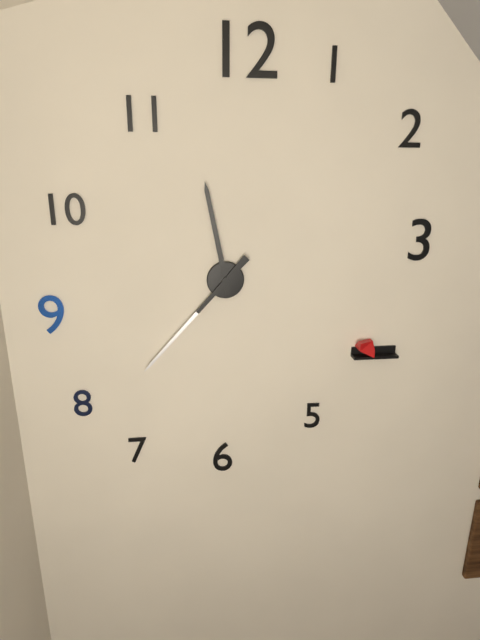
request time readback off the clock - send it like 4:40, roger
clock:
11:37
